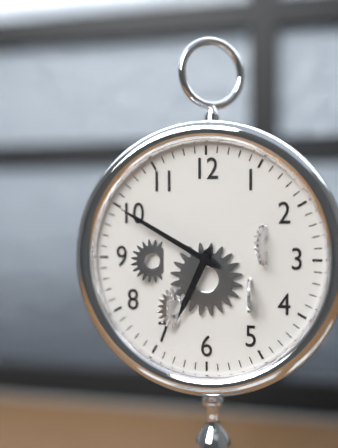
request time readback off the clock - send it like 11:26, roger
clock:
6:50
